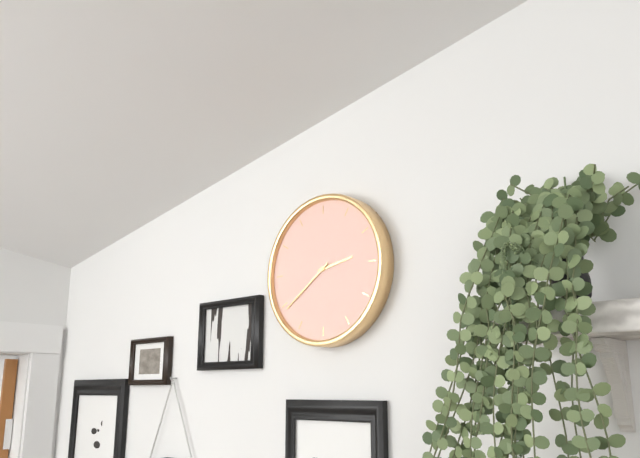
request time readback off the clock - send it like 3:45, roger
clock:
2:39
